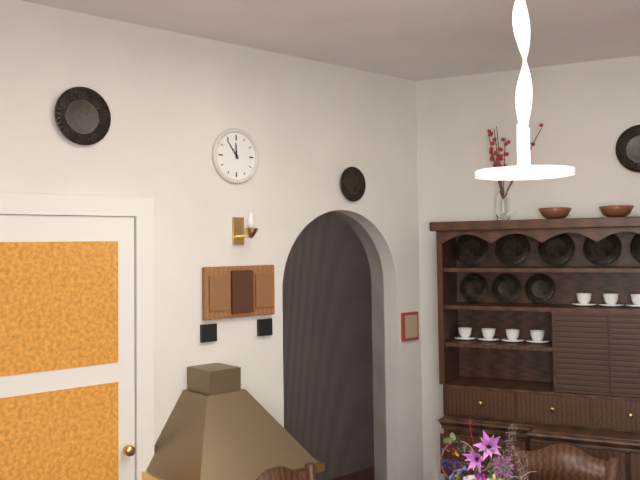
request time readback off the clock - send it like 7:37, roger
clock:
11:54
